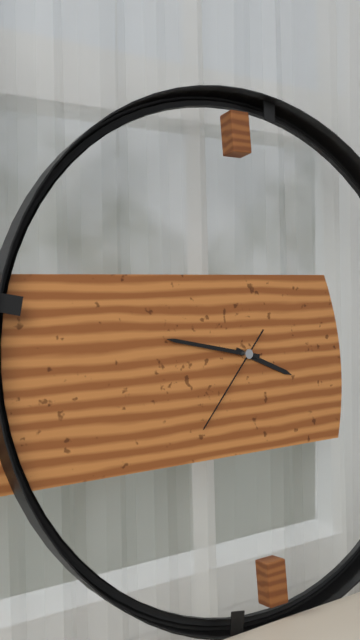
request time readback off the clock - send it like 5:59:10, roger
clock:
3:47:37
